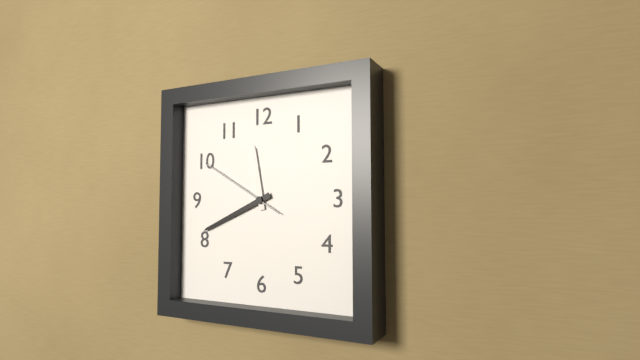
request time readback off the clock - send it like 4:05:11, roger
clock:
11:41:50
